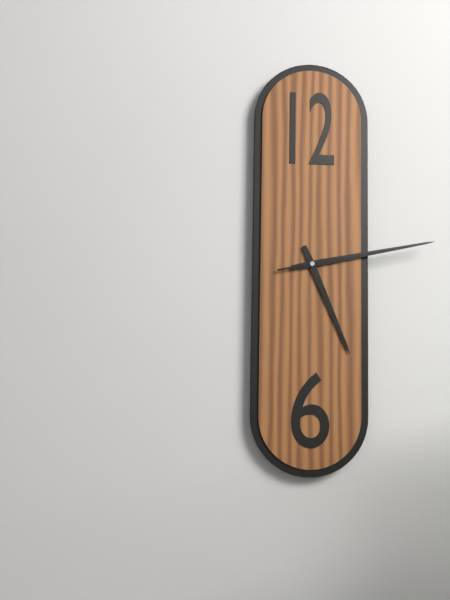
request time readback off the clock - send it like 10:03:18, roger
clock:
5:13:13
